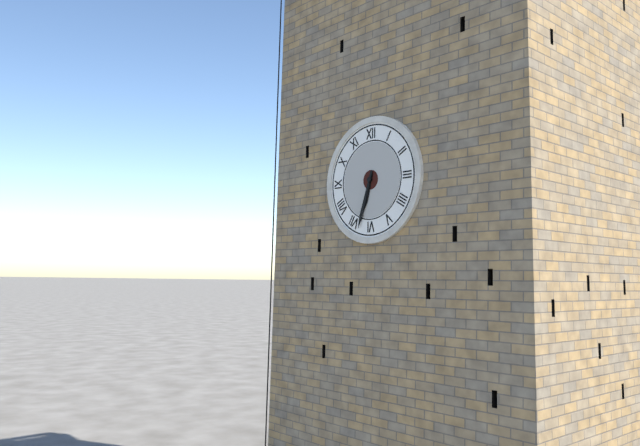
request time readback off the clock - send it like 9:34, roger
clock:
6:33
